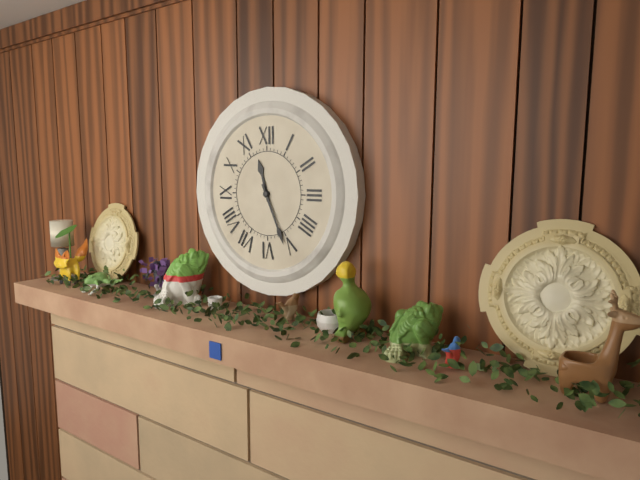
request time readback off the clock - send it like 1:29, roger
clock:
11:26
